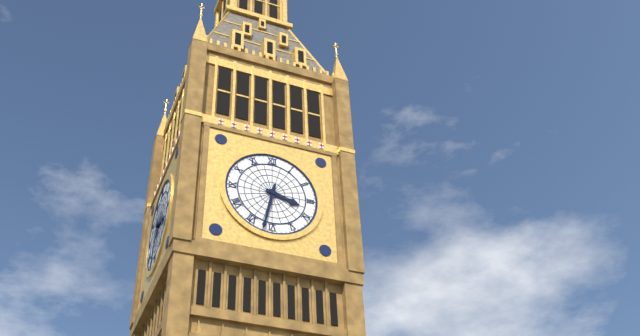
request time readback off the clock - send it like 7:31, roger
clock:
3:32
